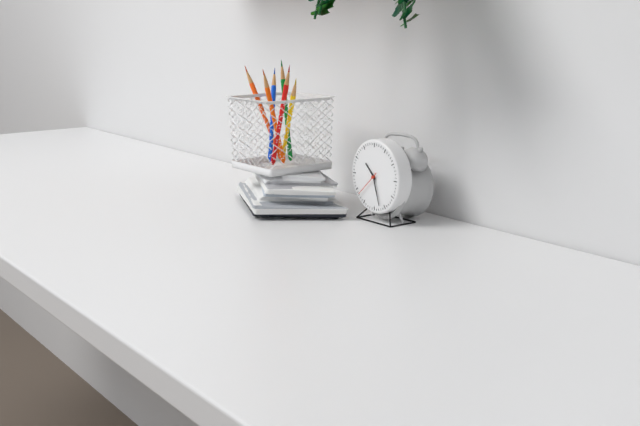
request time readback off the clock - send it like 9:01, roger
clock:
10:27
